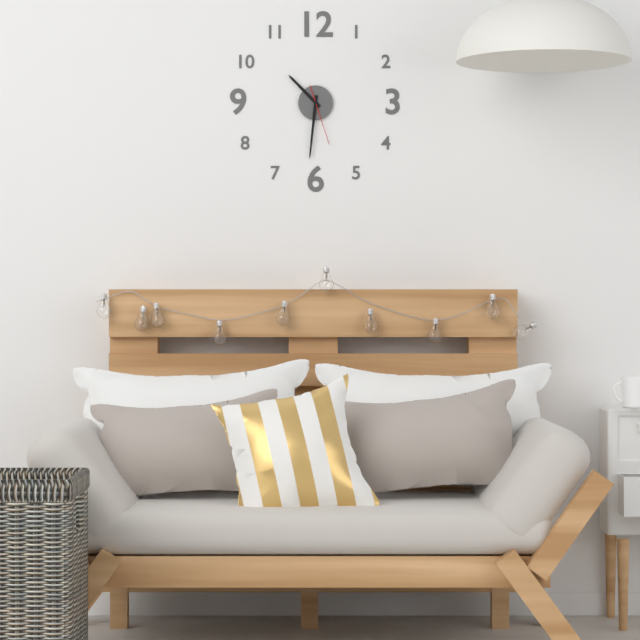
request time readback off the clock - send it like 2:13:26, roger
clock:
10:31:27
